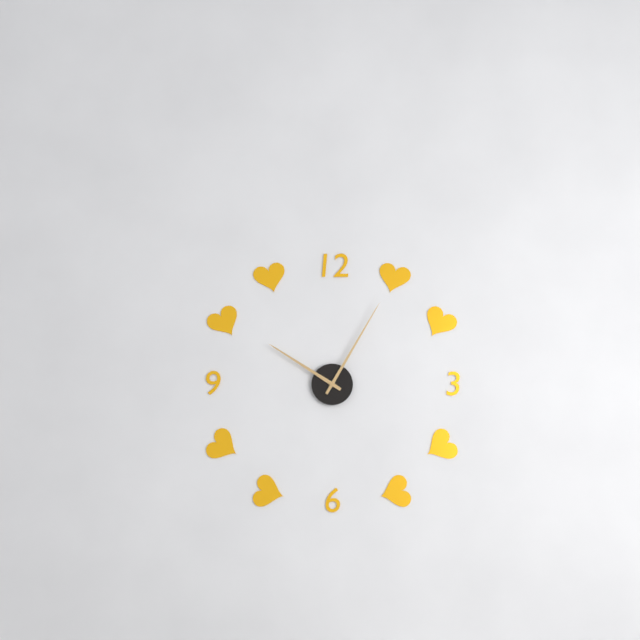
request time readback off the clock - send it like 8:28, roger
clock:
10:05
